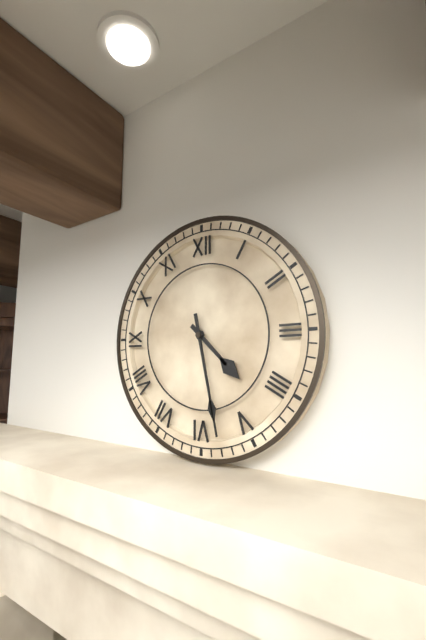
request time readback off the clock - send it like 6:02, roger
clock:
4:28
